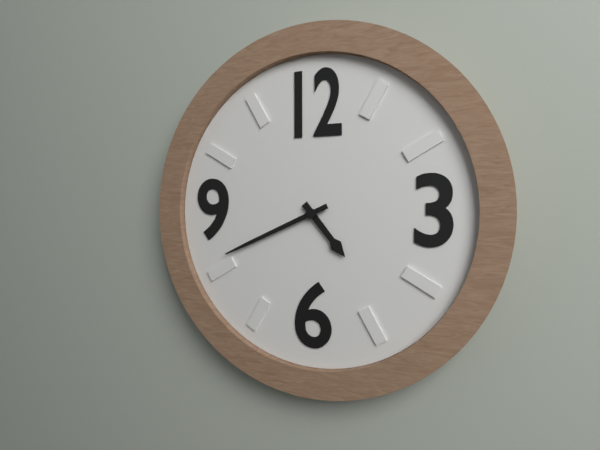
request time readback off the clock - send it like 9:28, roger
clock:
4:41
